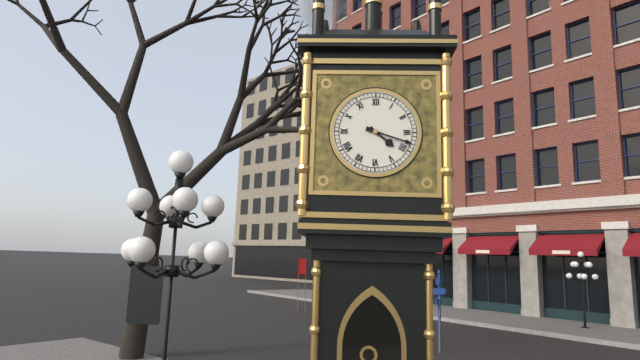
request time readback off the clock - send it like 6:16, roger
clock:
4:18
